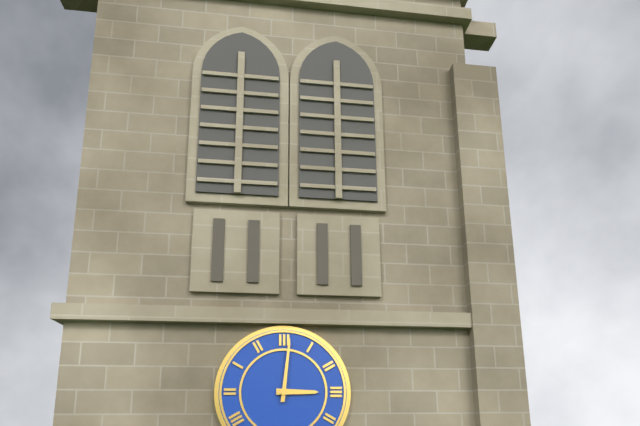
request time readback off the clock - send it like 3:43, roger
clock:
3:01
